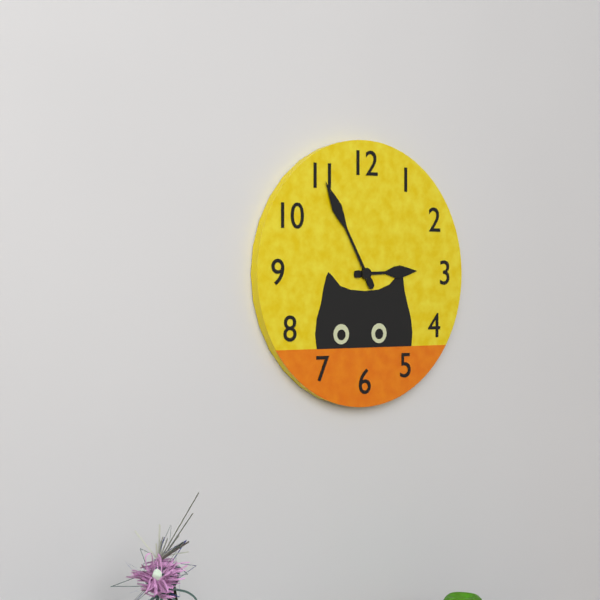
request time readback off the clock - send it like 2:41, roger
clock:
2:55
